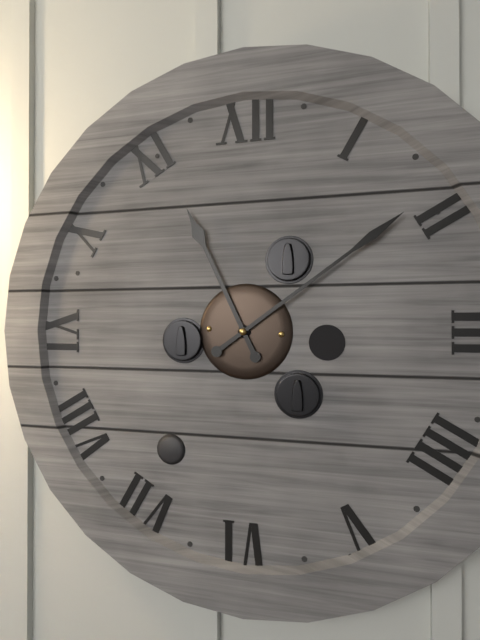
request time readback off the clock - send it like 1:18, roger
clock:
11:09
